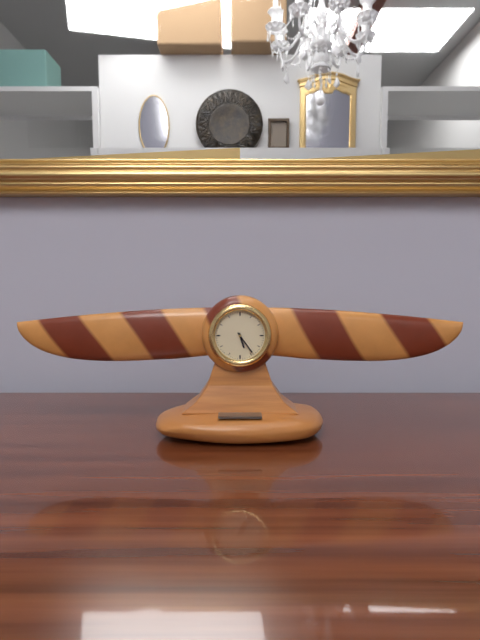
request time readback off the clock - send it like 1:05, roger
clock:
5:24
